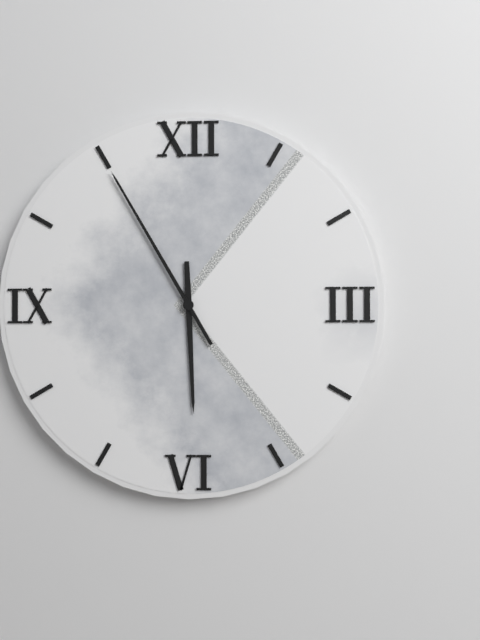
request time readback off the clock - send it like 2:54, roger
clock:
5:55
